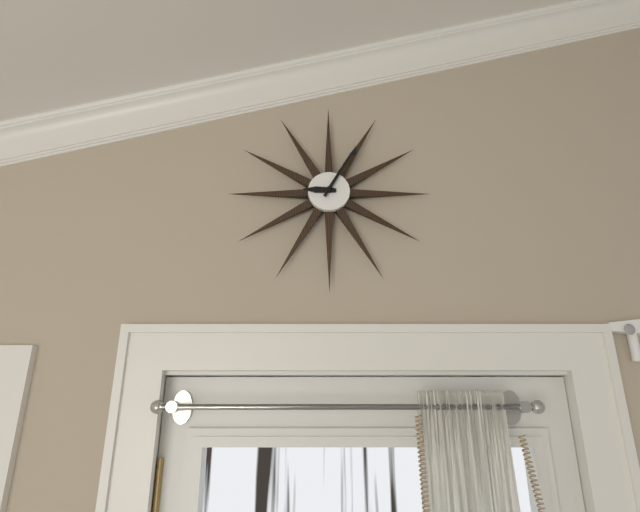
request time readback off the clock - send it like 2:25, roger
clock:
9:05
